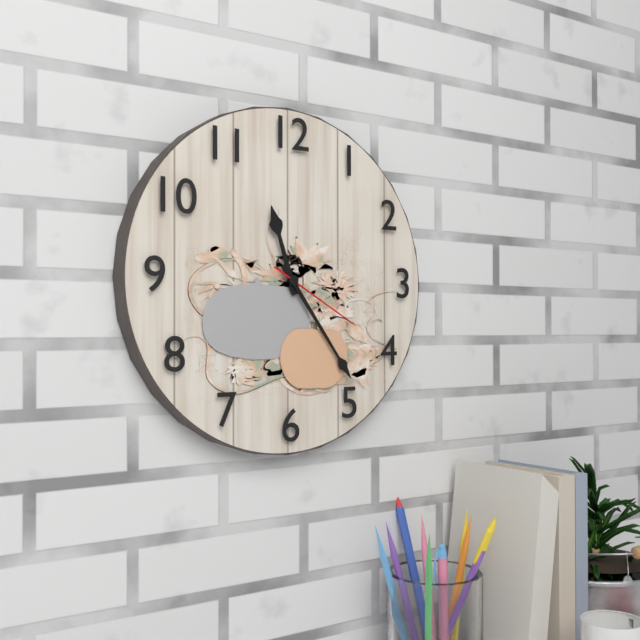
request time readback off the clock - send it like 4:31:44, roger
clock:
11:24:20
